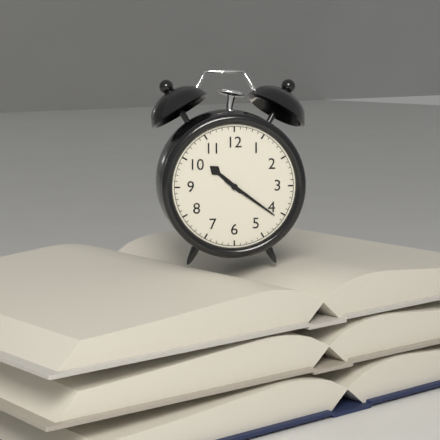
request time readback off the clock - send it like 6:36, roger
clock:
10:21
